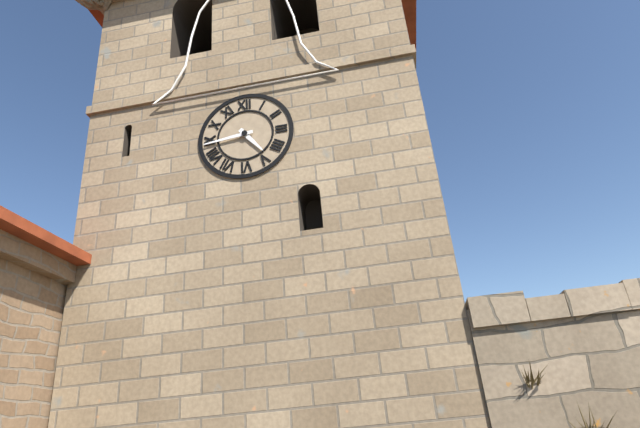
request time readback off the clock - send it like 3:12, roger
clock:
4:44
